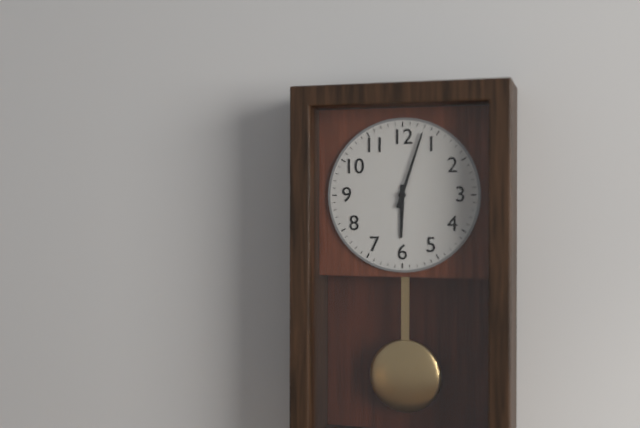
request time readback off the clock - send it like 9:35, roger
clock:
6:03
